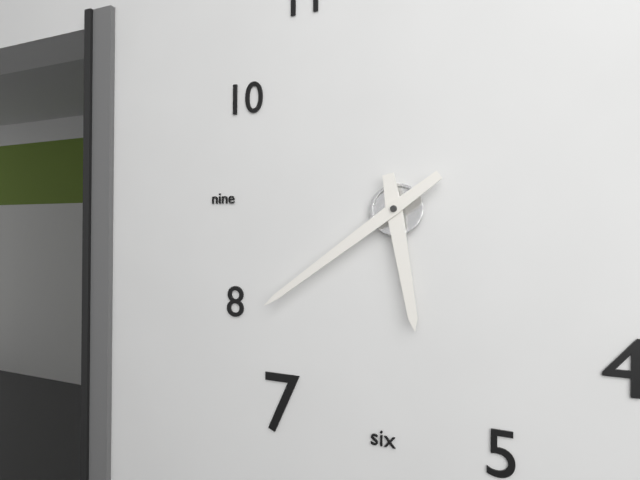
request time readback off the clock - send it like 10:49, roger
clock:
5:39
